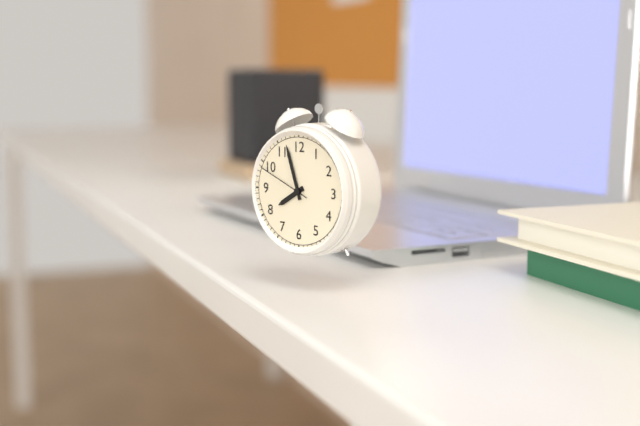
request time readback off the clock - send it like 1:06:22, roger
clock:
7:57:49
